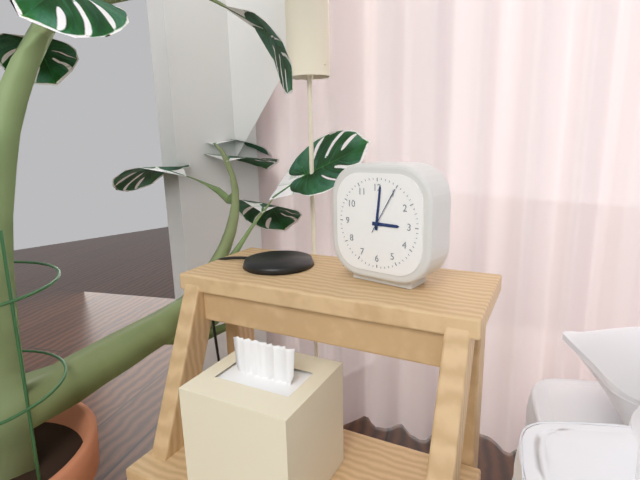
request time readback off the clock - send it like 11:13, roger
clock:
3:01
